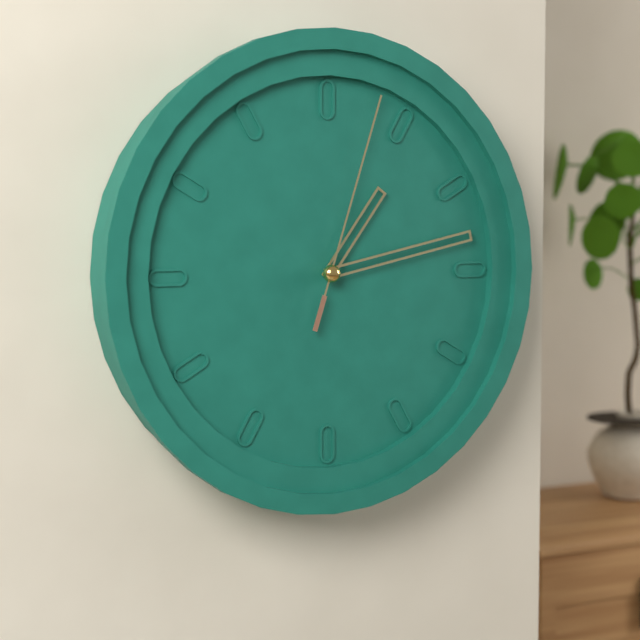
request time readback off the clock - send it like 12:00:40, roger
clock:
1:13:03
